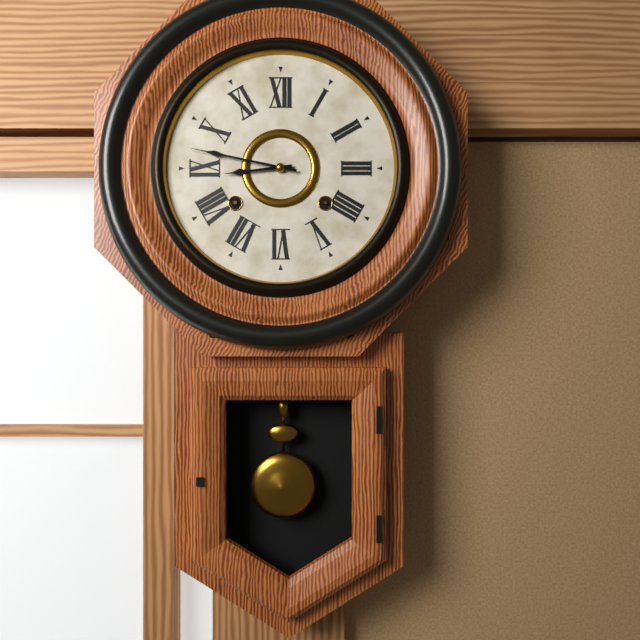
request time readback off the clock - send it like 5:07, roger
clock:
8:47
